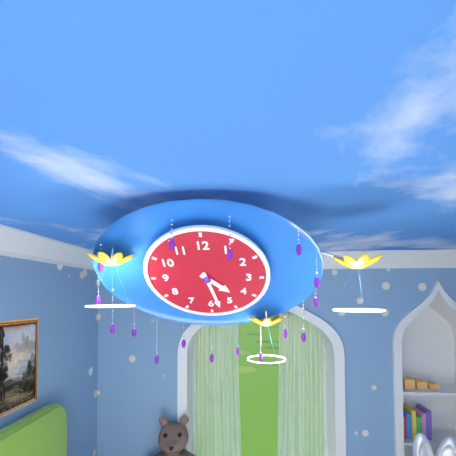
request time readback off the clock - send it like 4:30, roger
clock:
4:28
